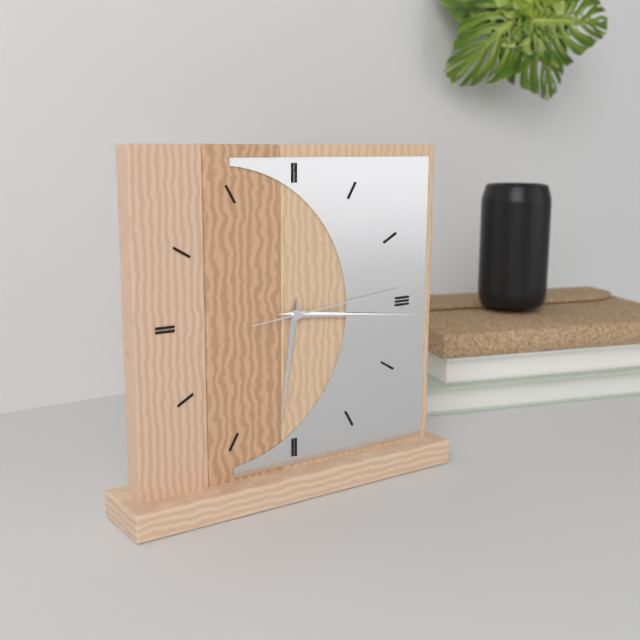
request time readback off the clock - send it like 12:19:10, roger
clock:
6:16:14
